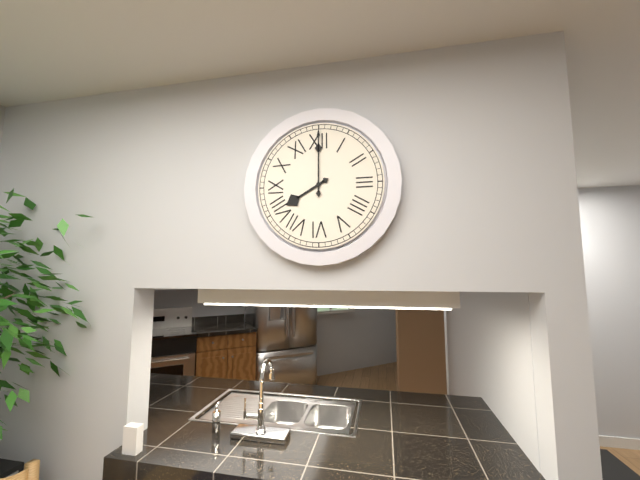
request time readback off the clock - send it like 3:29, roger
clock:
8:00
